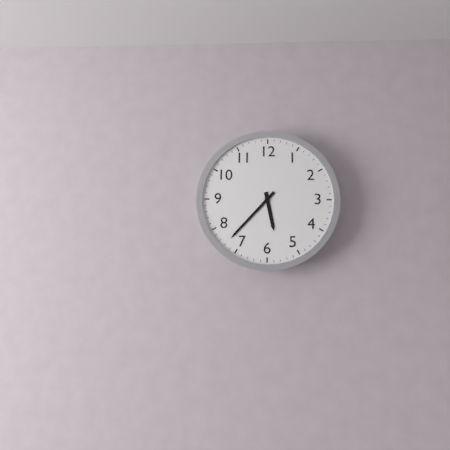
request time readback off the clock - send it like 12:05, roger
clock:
5:37
